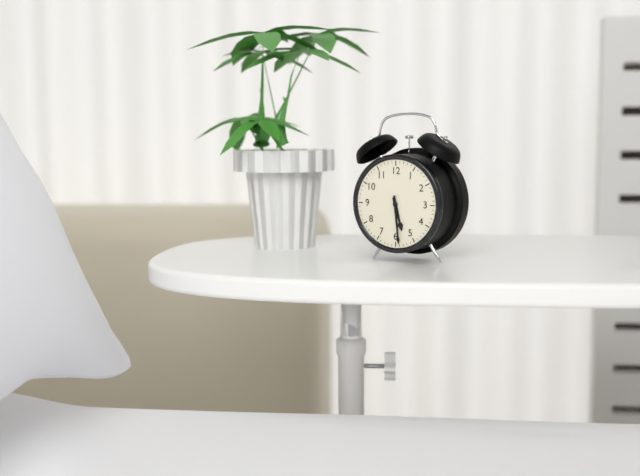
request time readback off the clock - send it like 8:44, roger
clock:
5:29
